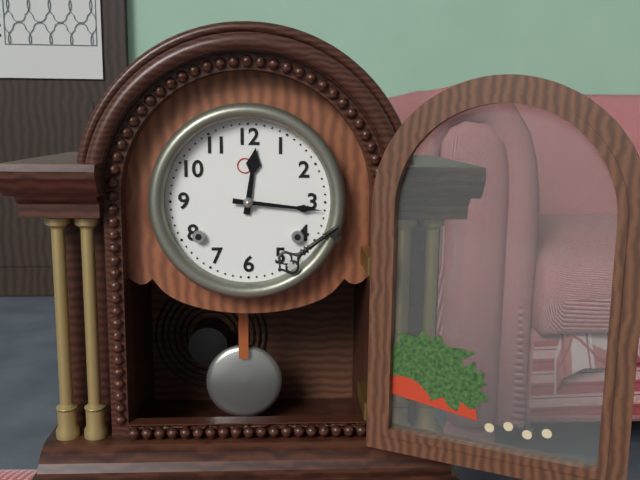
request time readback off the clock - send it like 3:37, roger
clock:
12:16
